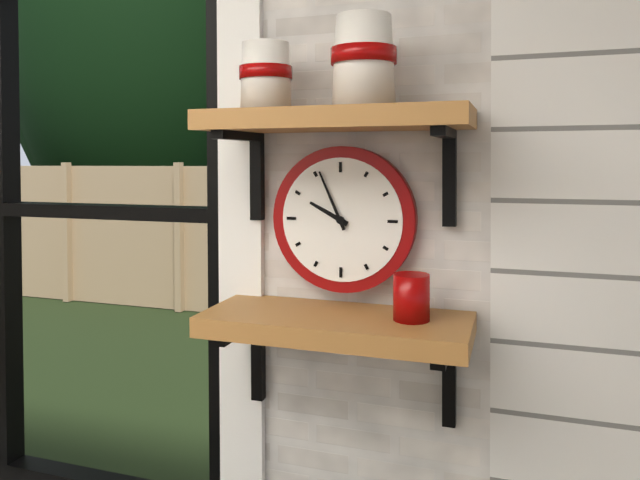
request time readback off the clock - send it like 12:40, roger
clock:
9:56
